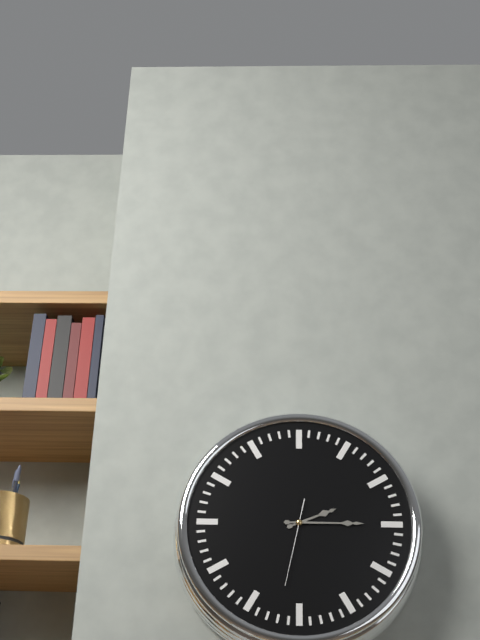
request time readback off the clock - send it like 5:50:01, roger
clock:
2:15:32
